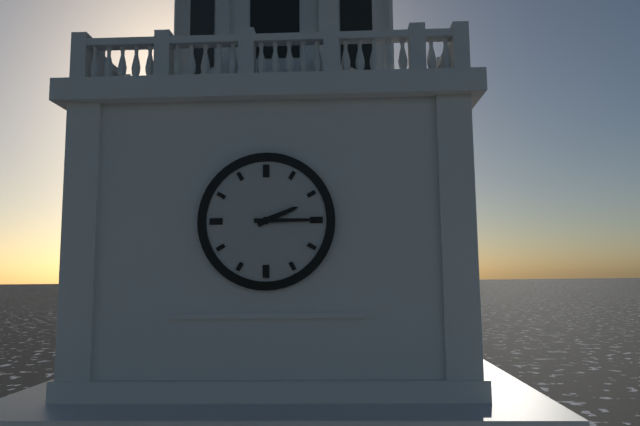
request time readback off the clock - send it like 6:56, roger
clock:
2:15
